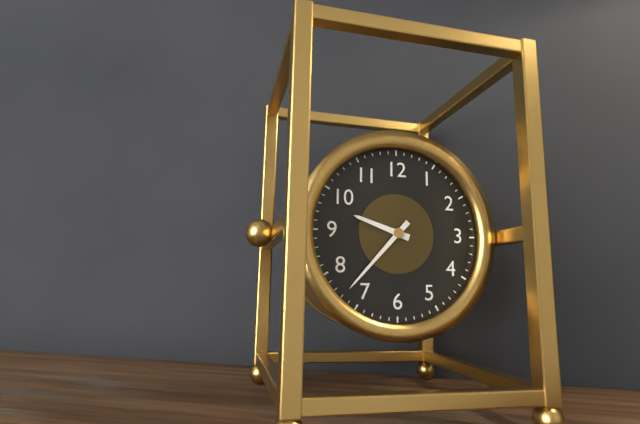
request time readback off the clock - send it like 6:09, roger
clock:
9:37
